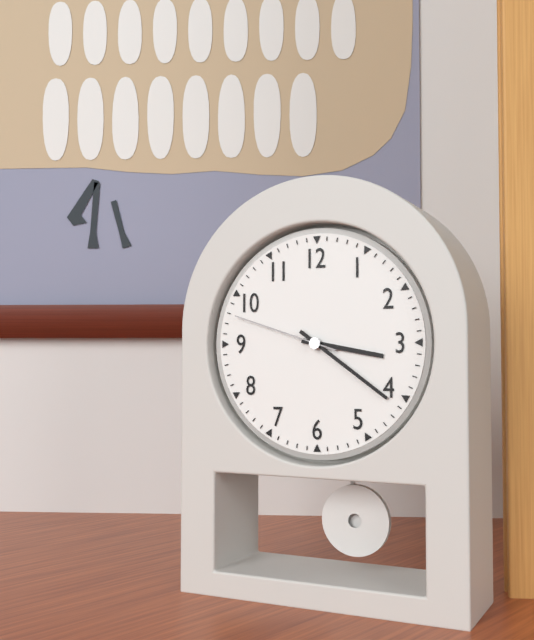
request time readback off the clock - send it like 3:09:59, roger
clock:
3:21:48
